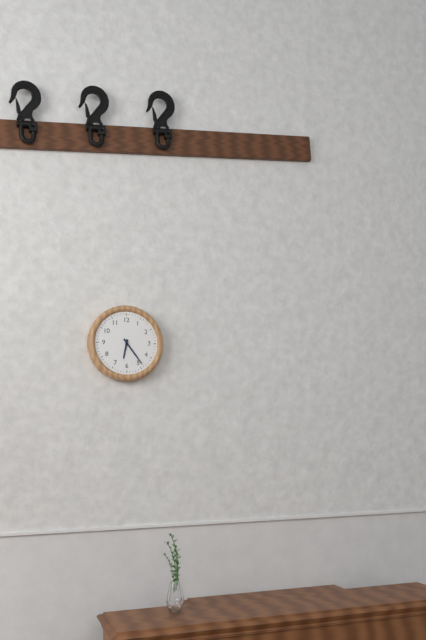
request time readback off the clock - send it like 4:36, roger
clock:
6:24
